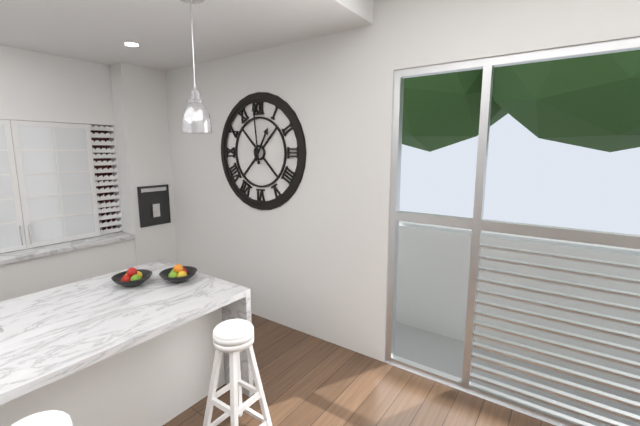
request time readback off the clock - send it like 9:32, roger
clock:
12:59
